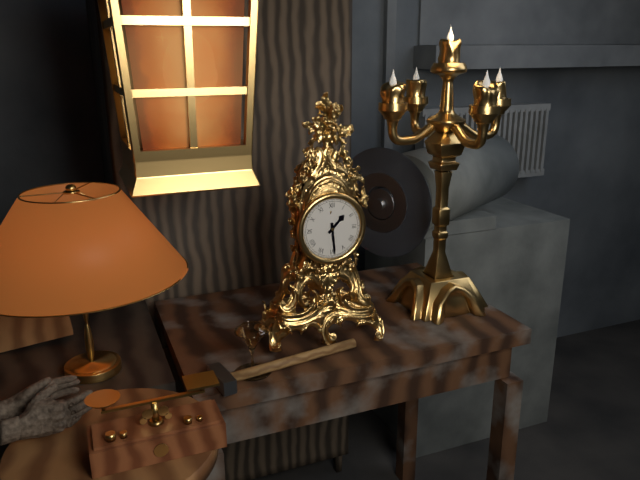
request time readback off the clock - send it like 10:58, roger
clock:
1:29
